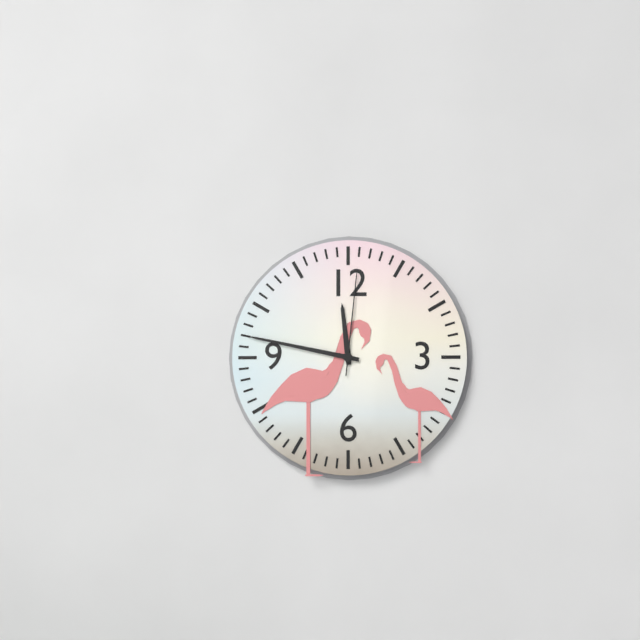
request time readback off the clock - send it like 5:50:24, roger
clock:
11:47:01
